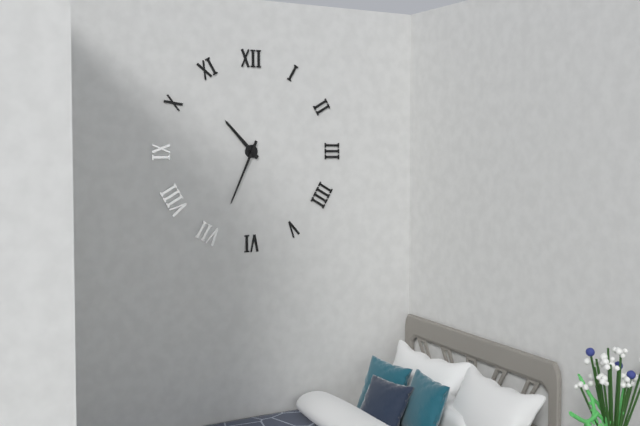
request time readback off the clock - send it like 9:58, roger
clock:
10:34
